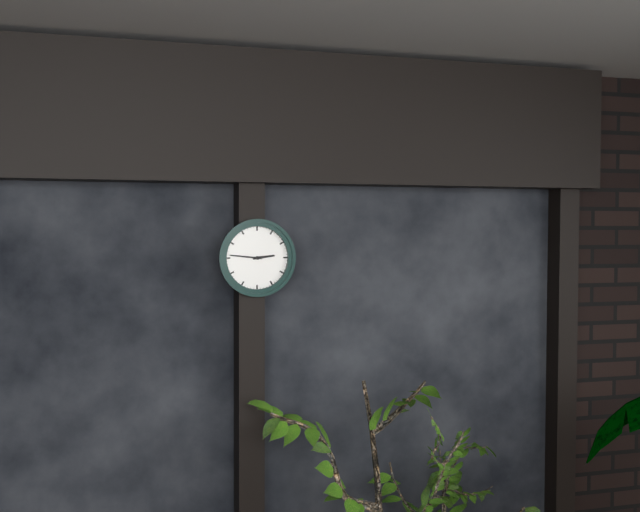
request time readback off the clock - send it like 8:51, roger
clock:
2:46
